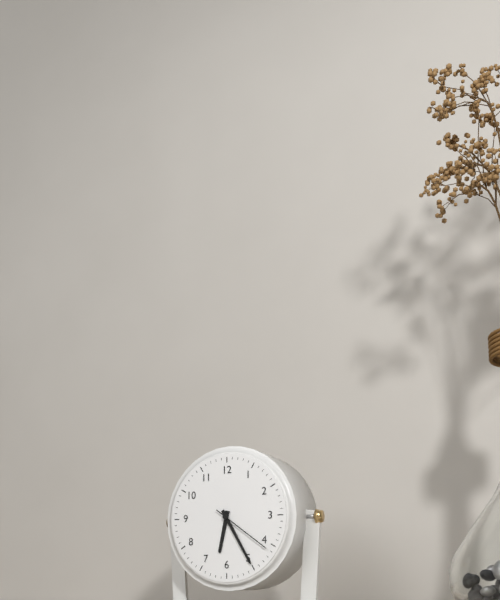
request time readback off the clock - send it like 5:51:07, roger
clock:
6:25:21
